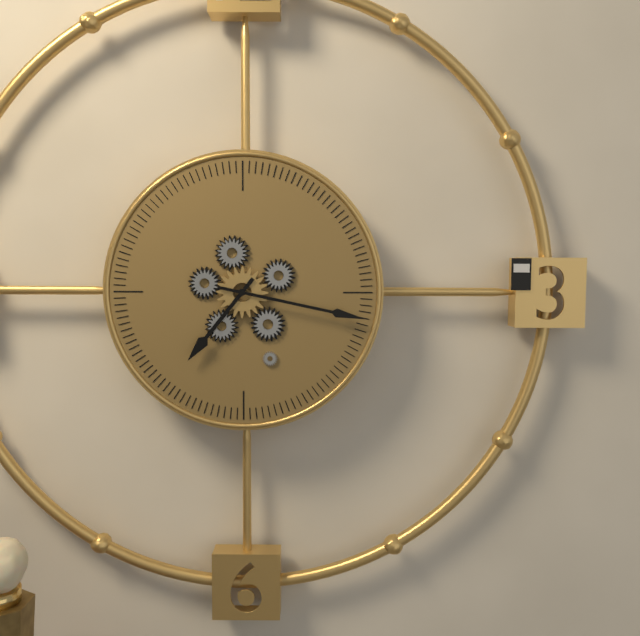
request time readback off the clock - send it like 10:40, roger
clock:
7:17
